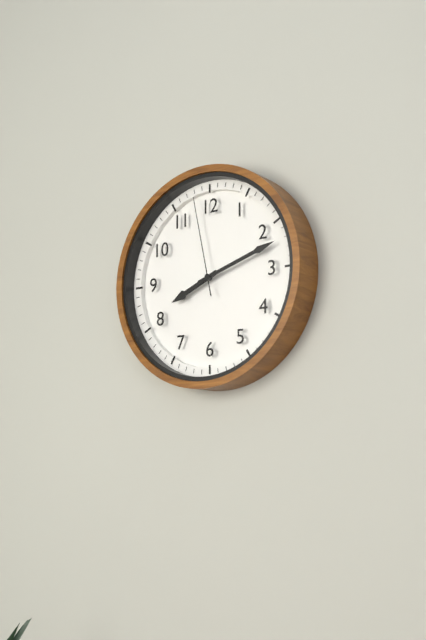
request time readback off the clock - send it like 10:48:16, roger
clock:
8:12:58
